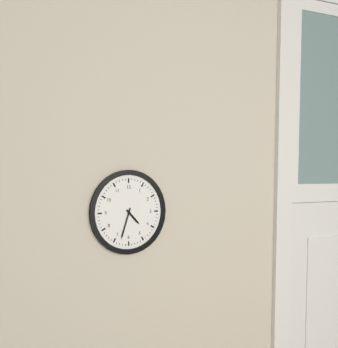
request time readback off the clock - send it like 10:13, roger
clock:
4:33
